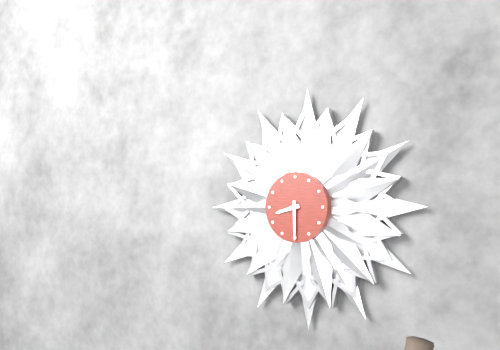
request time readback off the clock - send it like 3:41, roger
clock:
8:30
